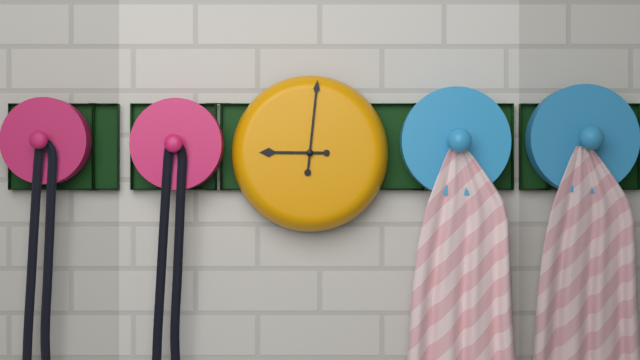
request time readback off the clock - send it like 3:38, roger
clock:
9:01
